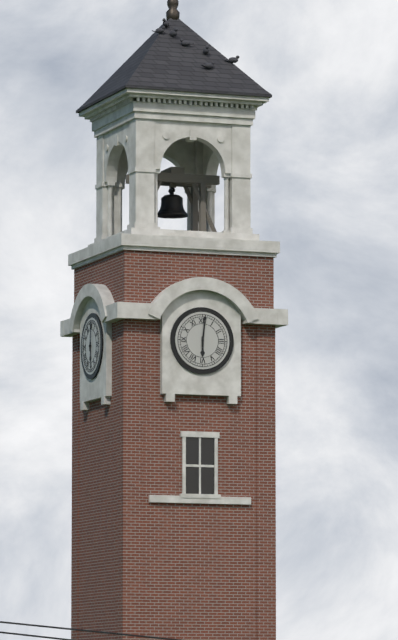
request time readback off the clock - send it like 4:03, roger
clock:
6:01
